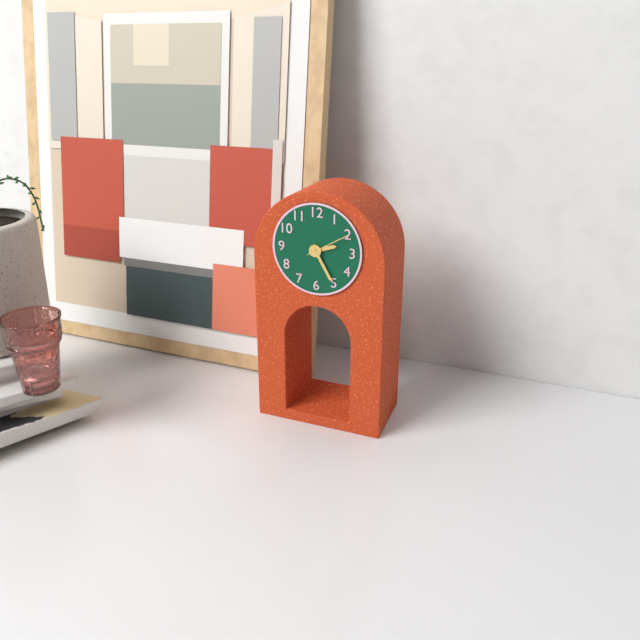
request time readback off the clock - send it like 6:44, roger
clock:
2:25
